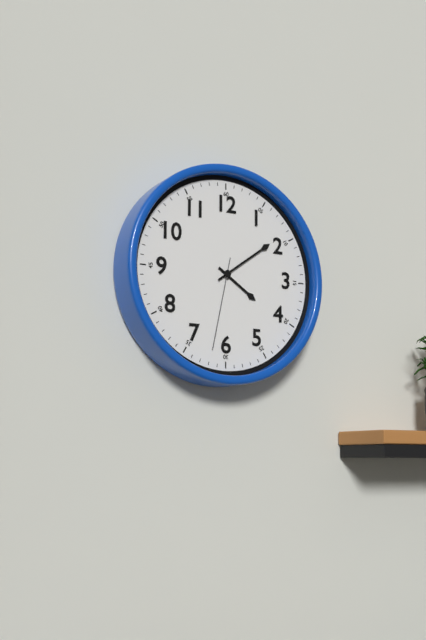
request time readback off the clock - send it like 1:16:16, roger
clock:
4:09:32
